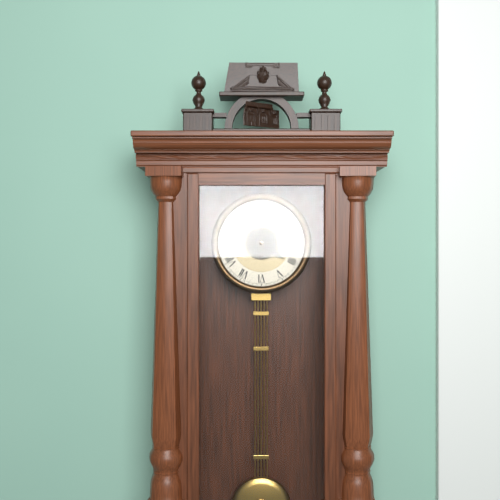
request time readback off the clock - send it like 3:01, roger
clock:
4:09
